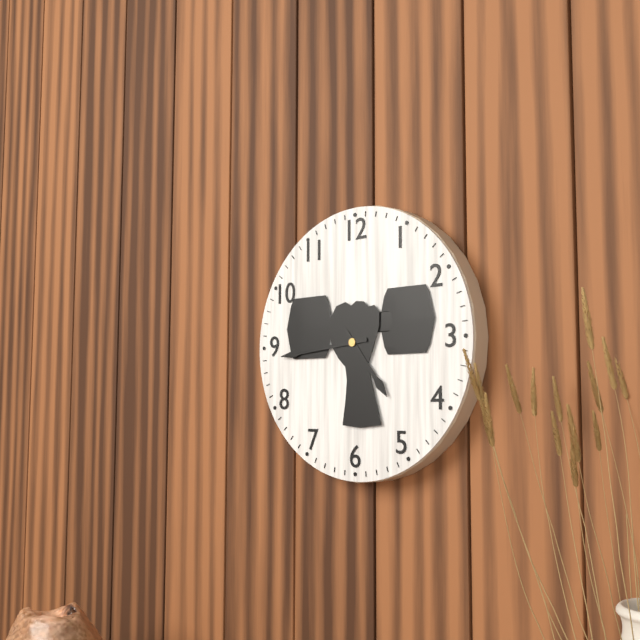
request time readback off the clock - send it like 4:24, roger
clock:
4:44
